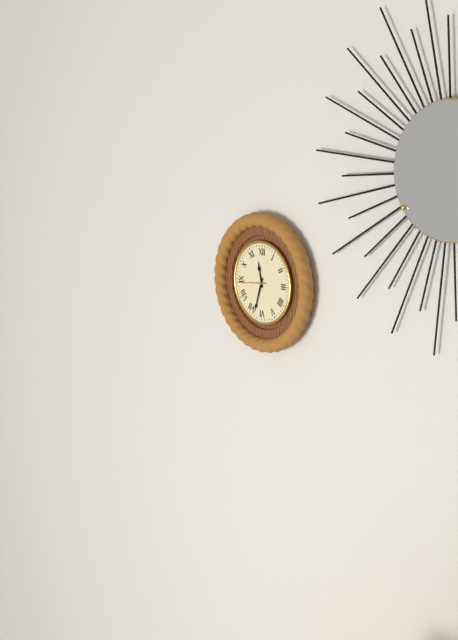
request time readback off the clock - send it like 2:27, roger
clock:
11:33
